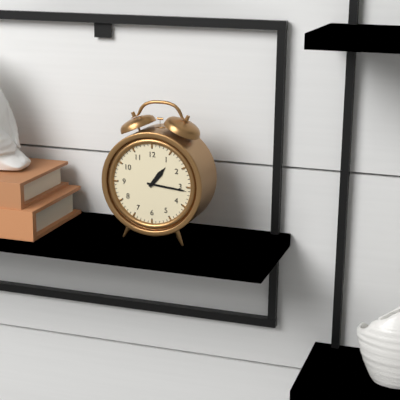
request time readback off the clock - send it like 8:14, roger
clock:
1:16
